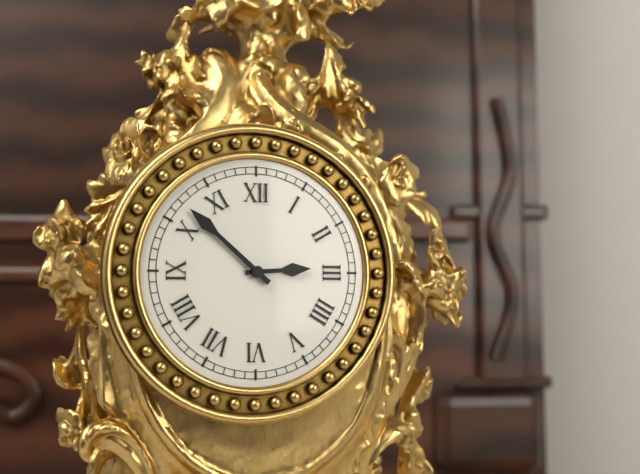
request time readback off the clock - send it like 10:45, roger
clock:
2:52
